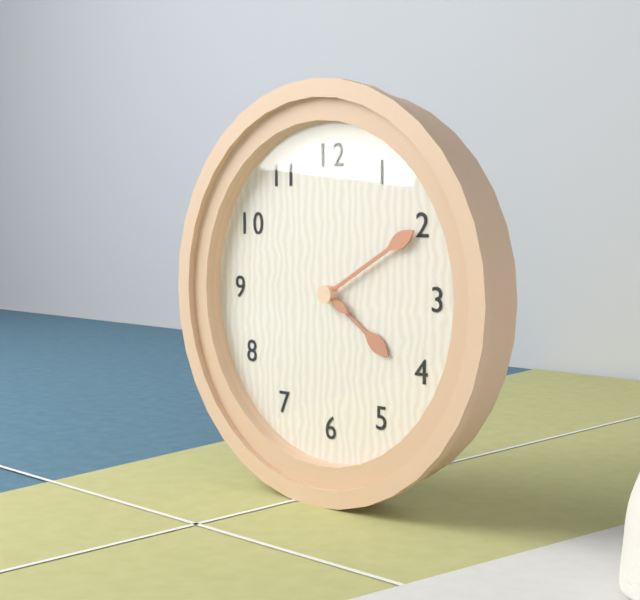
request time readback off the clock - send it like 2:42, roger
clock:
4:10
